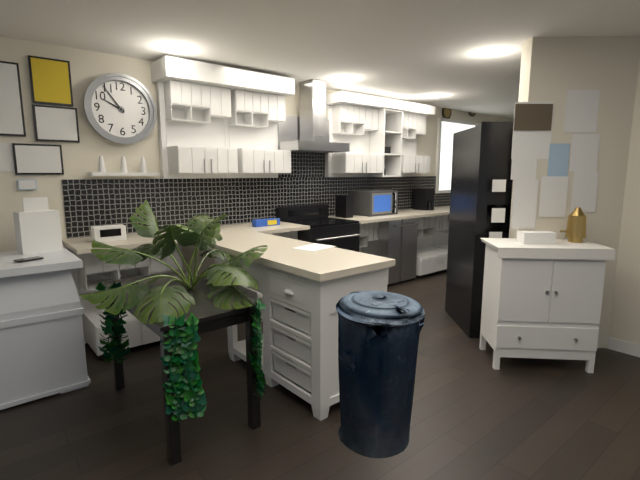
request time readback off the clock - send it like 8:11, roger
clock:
9:54
